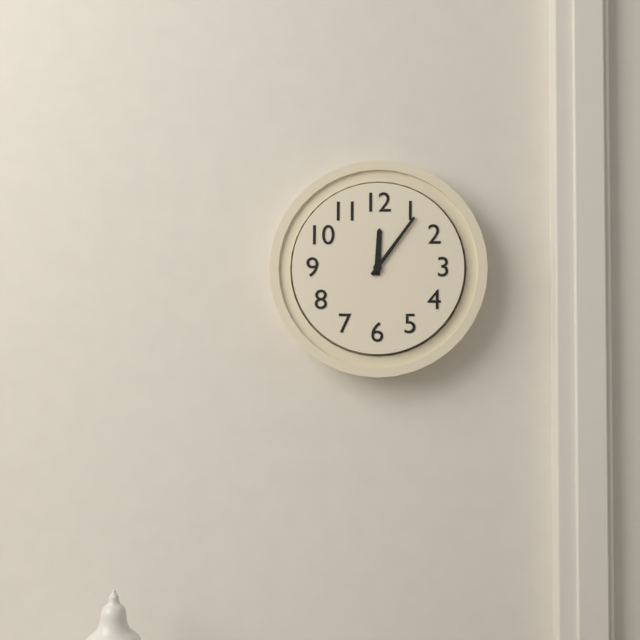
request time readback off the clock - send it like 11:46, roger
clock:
12:06
